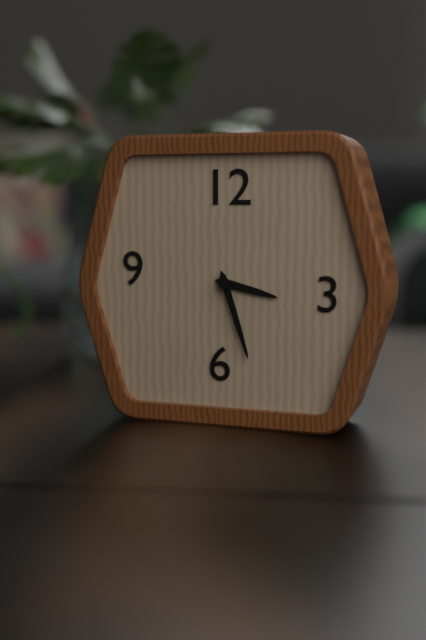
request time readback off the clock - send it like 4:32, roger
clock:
3:27
